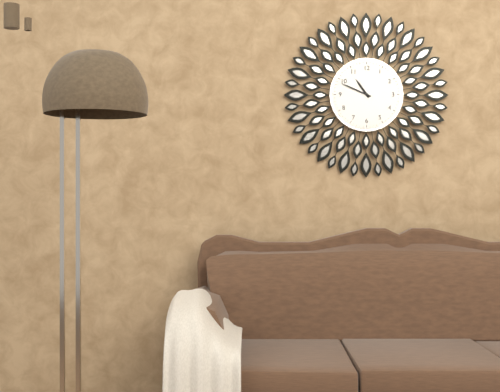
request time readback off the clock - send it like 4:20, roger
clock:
10:49
